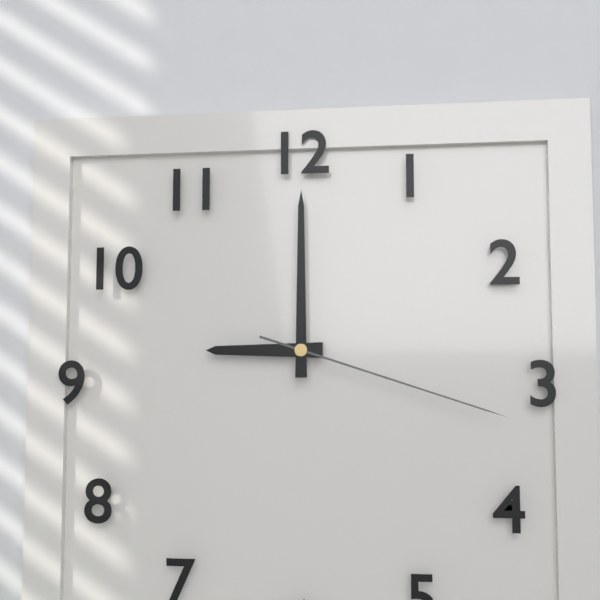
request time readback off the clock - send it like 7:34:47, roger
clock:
9:00:18
